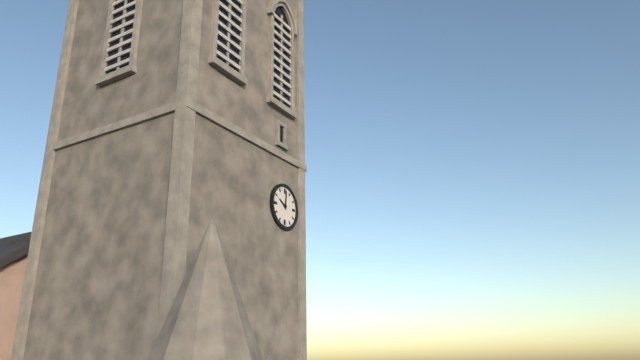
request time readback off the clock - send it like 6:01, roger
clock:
10:01
